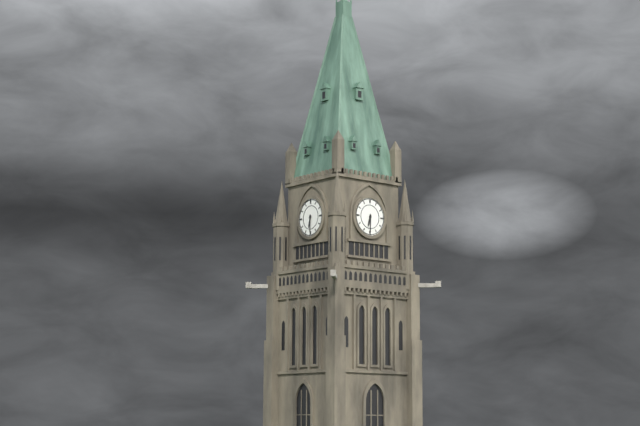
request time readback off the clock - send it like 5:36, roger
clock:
6:30
